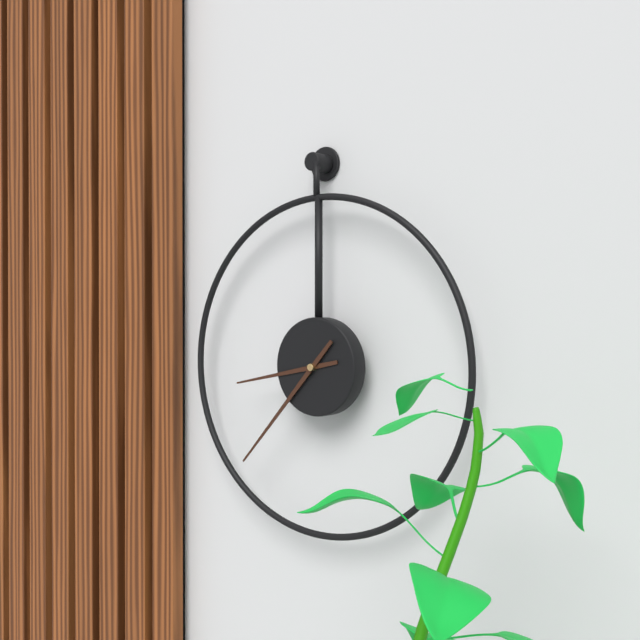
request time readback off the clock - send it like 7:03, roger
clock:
8:37
